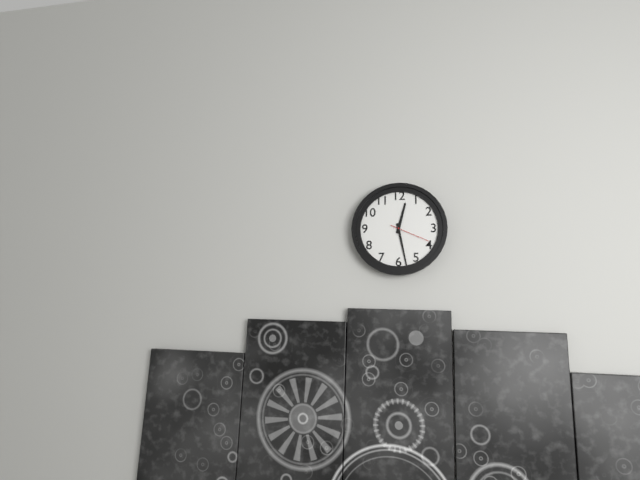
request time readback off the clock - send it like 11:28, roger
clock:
12:28
